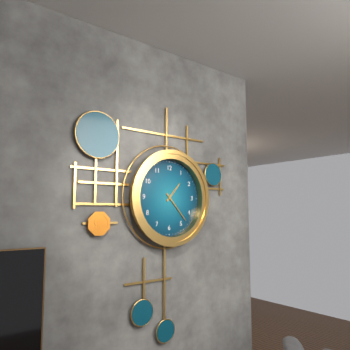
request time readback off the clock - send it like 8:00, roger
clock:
1:23
